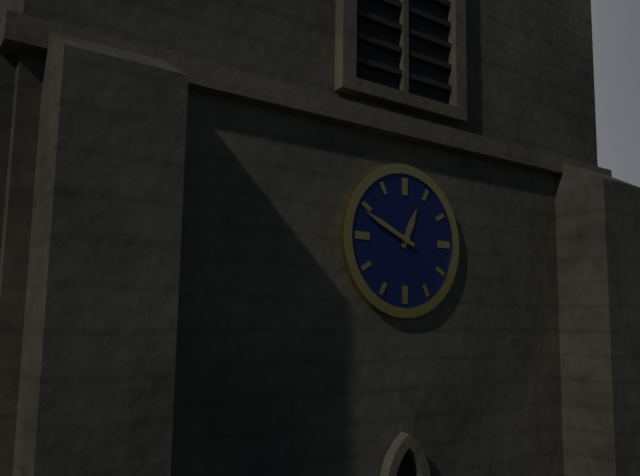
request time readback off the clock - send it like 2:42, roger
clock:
12:49
